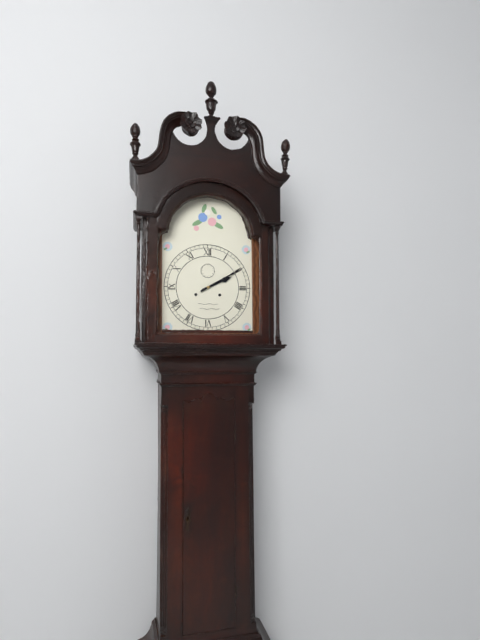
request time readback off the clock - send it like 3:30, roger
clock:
2:10
